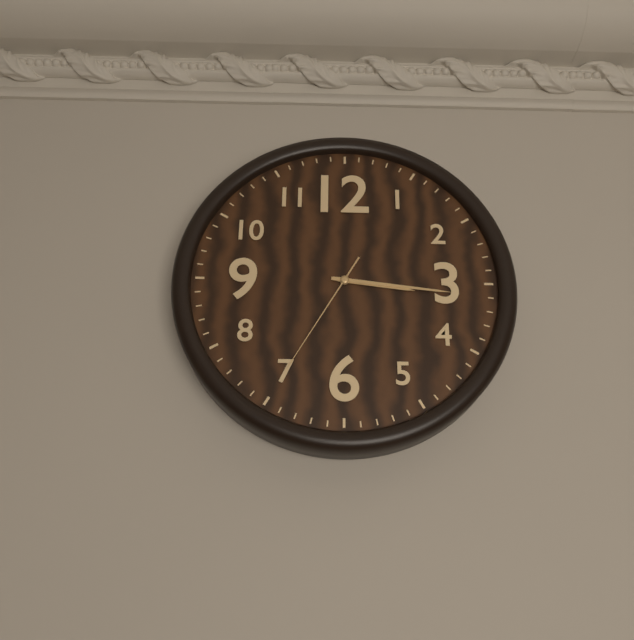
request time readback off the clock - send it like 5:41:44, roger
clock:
3:16:35
